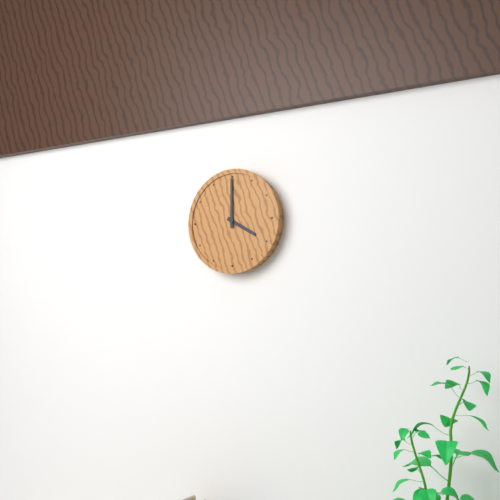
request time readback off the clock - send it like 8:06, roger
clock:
4:00
